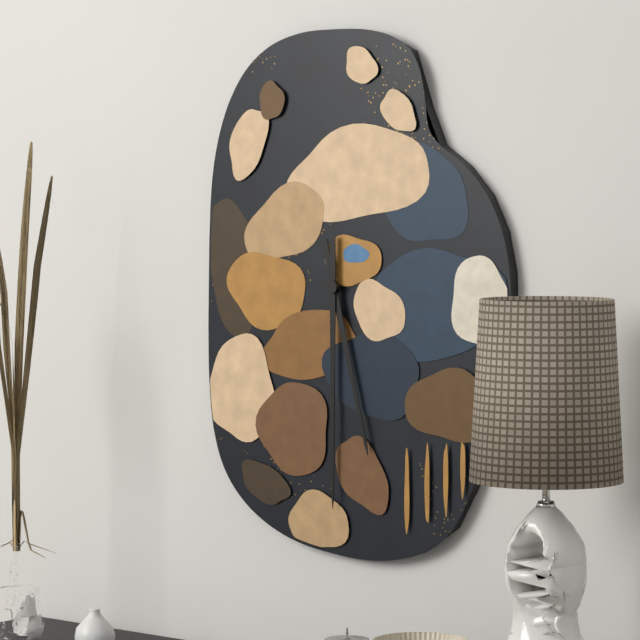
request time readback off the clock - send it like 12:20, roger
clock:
5:30
